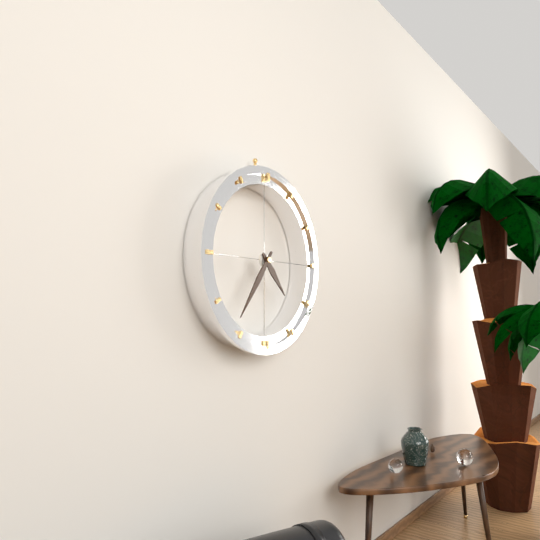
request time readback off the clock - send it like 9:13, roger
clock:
4:36
